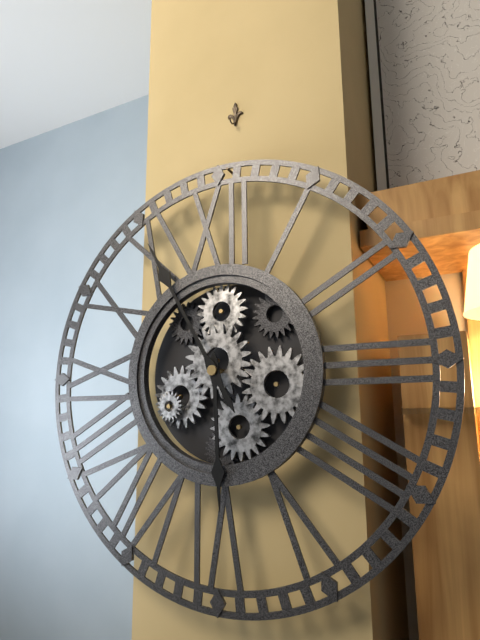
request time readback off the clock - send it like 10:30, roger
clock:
5:55
